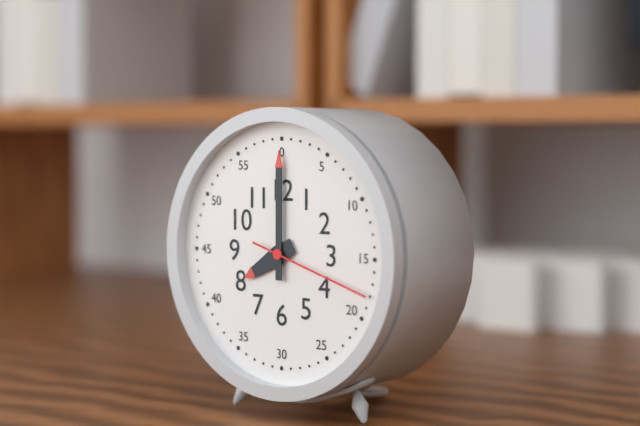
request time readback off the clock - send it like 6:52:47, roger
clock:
8:00:18
